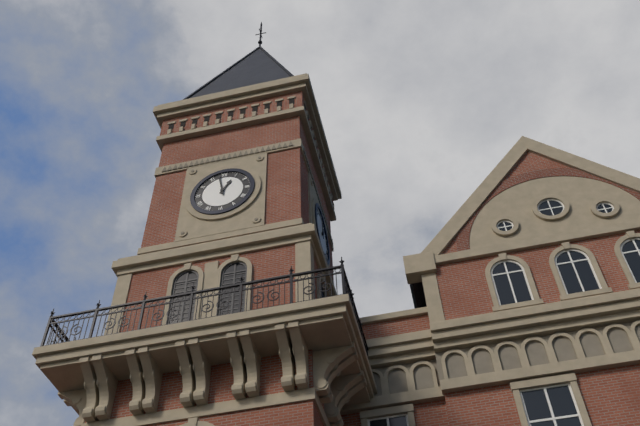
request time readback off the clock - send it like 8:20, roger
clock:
12:58
